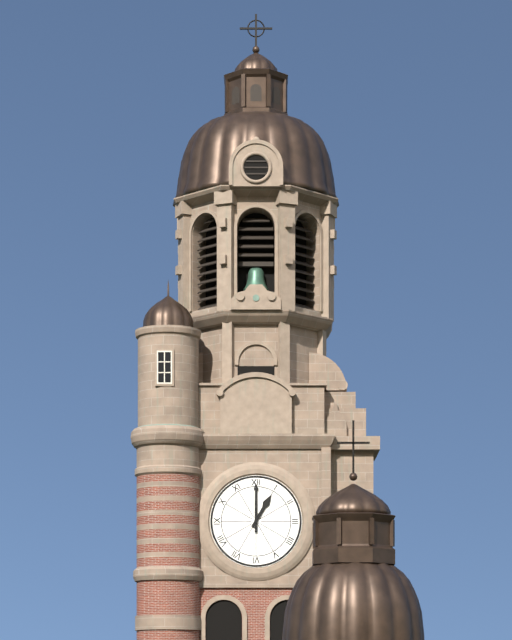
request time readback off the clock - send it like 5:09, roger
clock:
1:00
